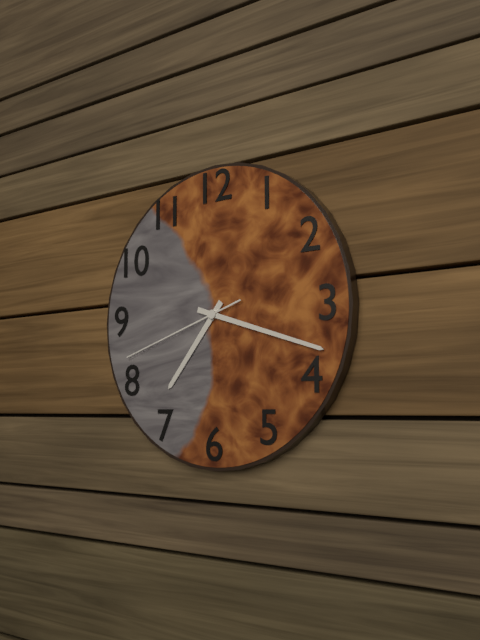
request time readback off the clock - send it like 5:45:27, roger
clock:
7:18:42
